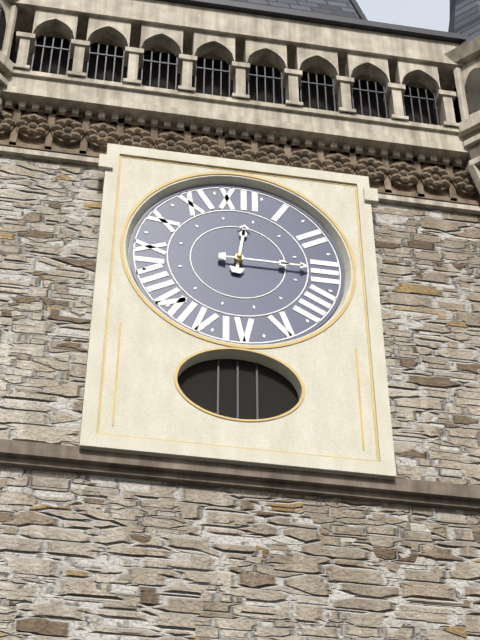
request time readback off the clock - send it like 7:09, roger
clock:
12:15
